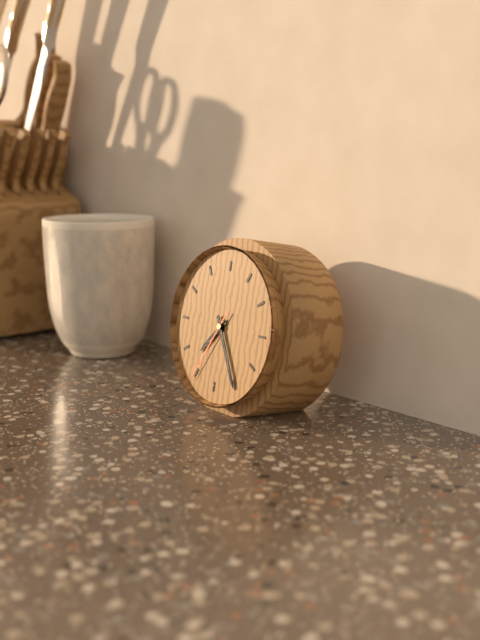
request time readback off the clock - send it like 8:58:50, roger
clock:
7:25:35
